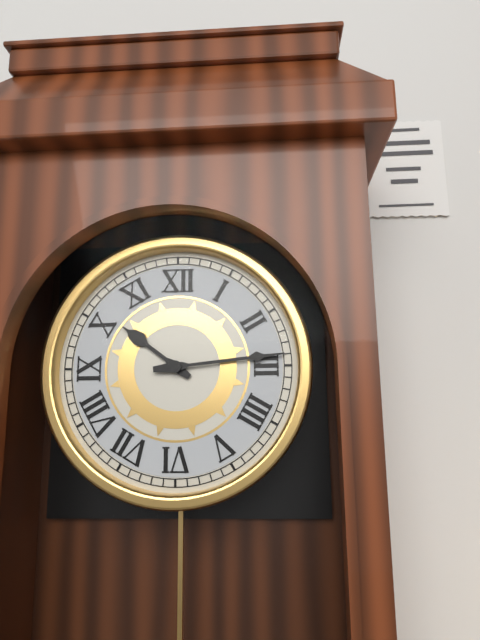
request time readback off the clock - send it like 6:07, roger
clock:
10:14
